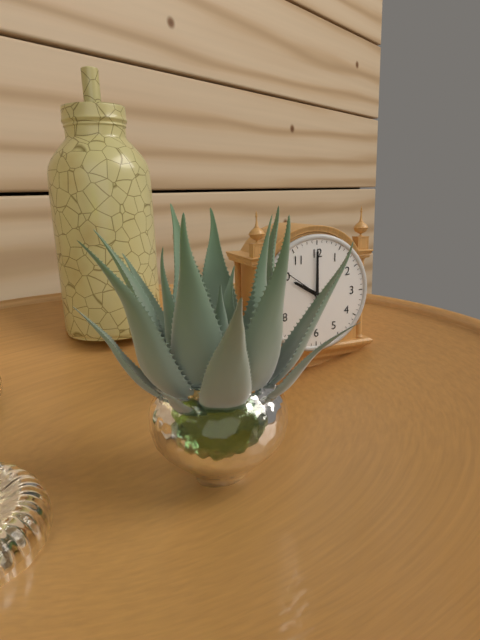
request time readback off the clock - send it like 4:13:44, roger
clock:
10:00:51
